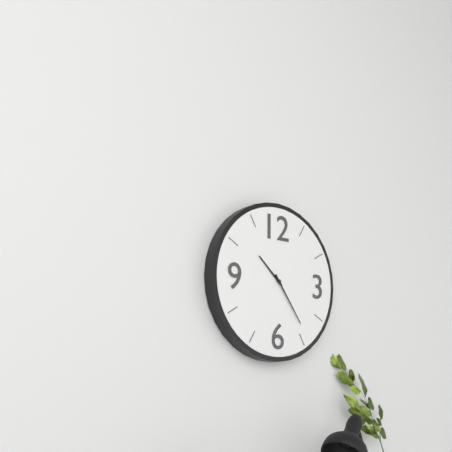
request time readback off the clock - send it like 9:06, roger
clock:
10:24
